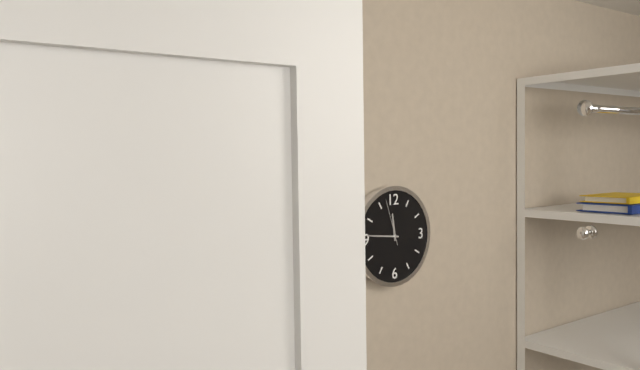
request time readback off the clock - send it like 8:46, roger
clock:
11:46
